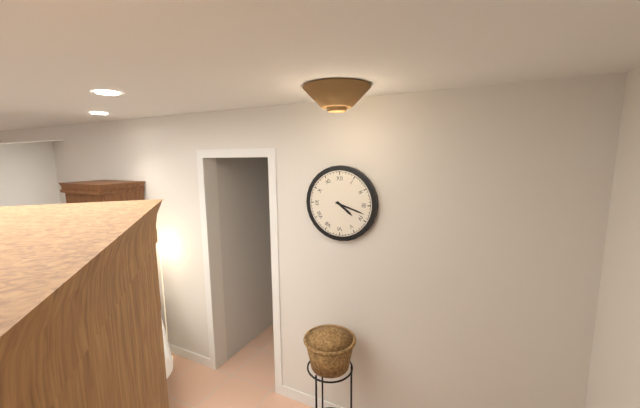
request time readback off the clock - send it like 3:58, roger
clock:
4:18
